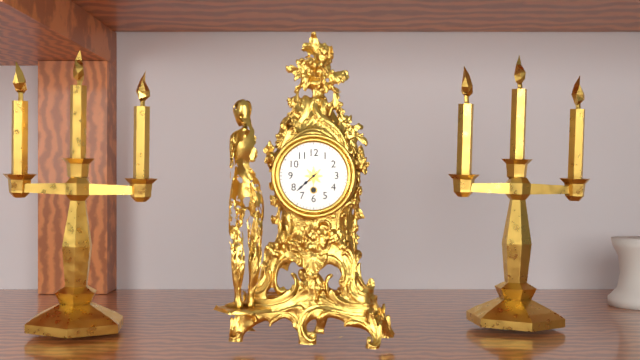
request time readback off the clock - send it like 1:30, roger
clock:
7:38
